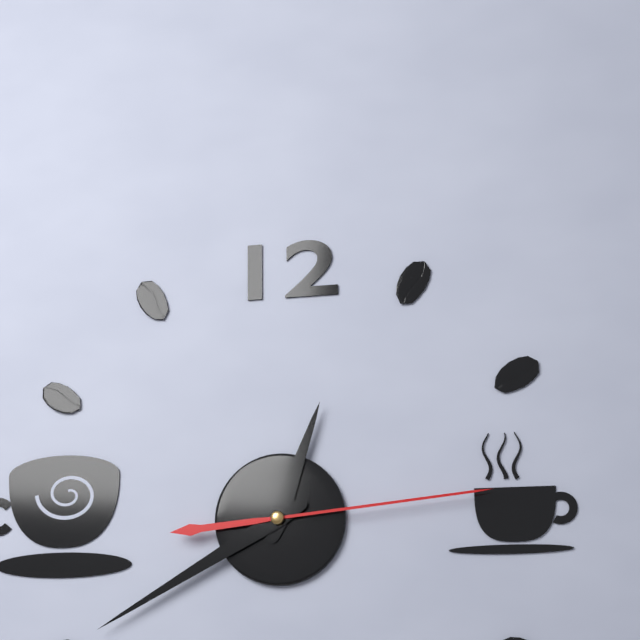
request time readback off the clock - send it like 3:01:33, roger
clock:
12:40:14
